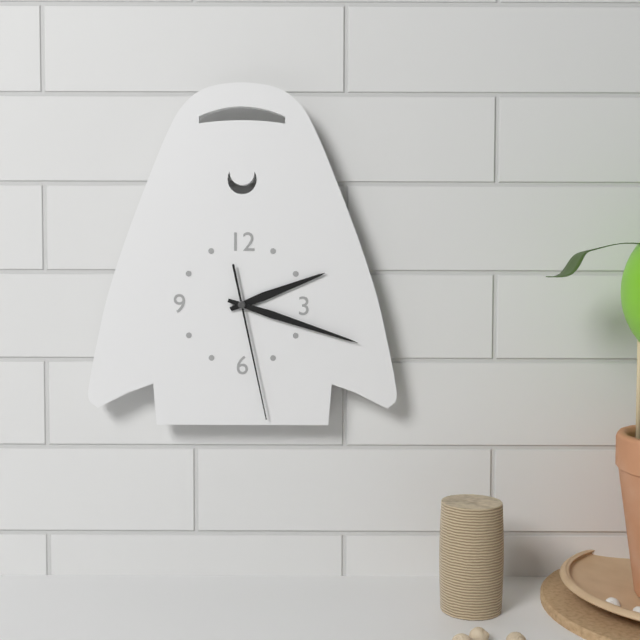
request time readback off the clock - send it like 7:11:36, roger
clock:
2:18:28
